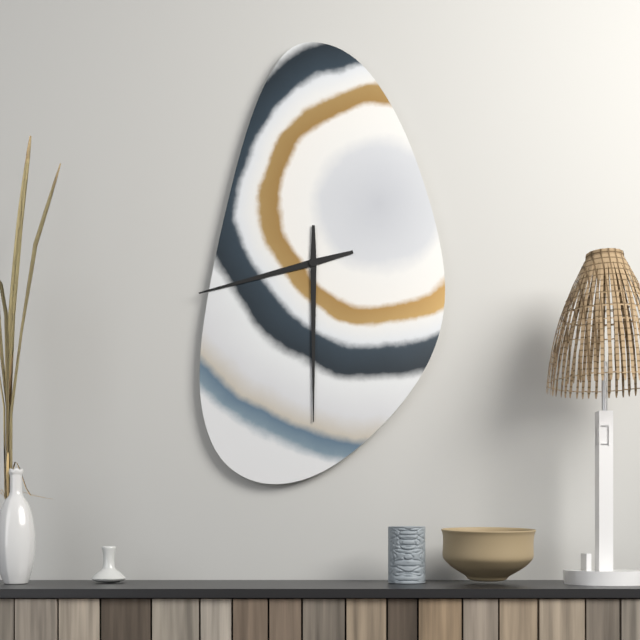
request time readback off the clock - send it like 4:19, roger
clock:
8:30
